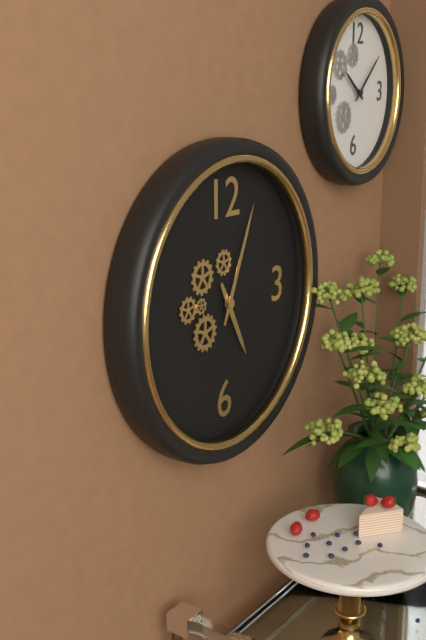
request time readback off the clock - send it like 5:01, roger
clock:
5:04
